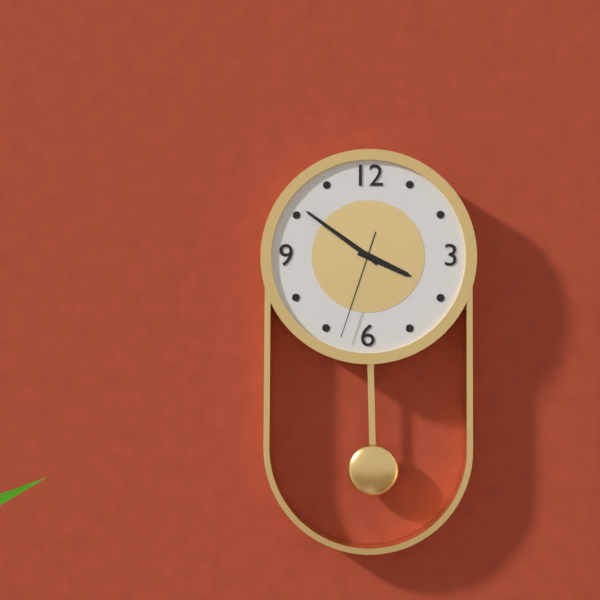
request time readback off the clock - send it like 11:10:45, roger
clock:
3:51:33
